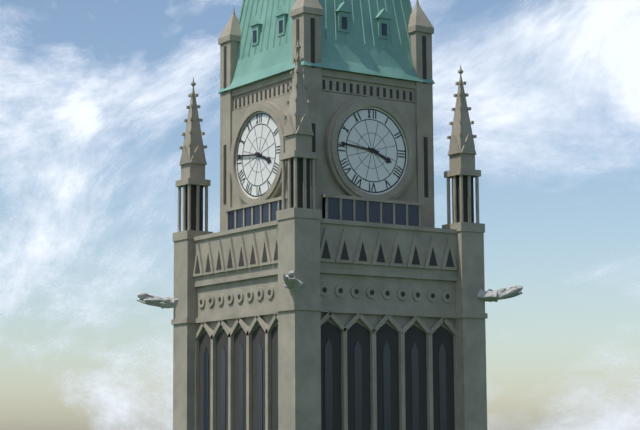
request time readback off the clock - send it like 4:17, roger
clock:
3:46
